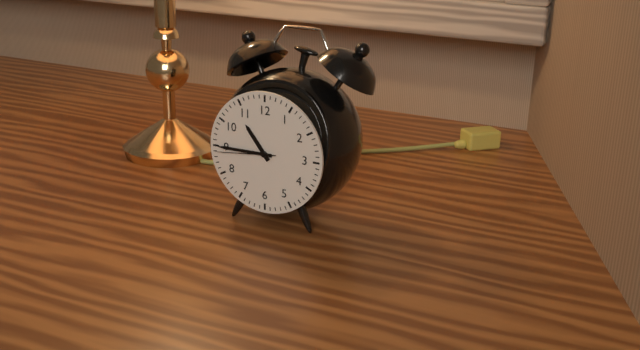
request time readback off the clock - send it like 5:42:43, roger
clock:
10:45:44
